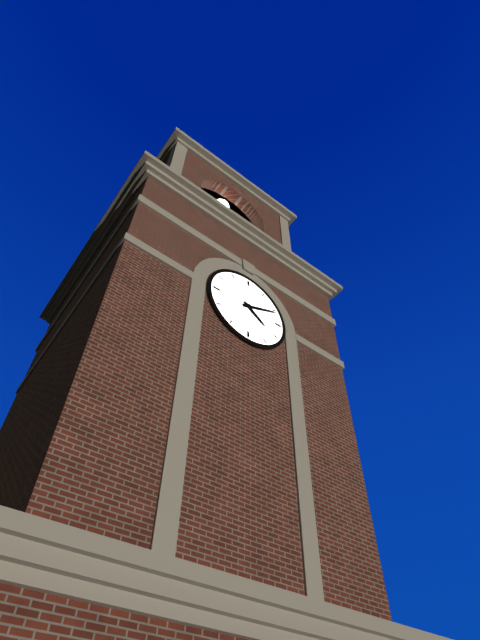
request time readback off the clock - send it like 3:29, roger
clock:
4:11
